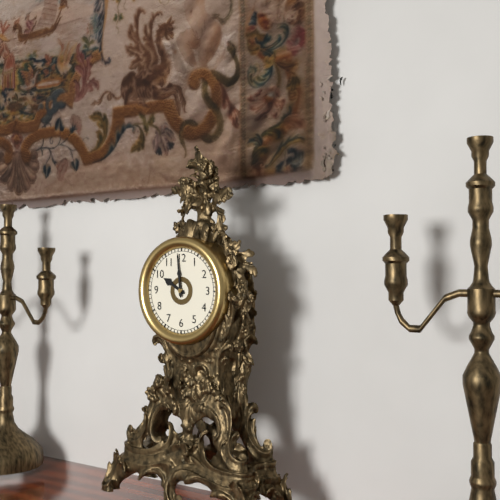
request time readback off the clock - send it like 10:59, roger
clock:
9:59
